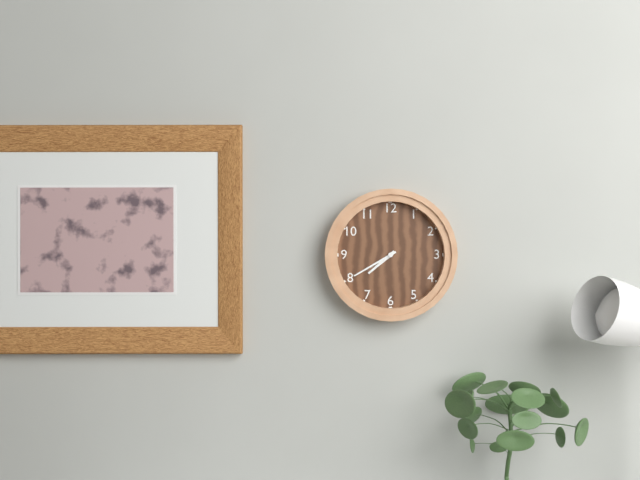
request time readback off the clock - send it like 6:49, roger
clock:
7:40
